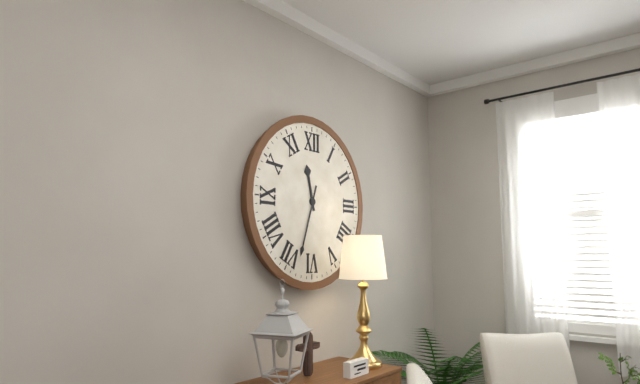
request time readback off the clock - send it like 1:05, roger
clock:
11:33
